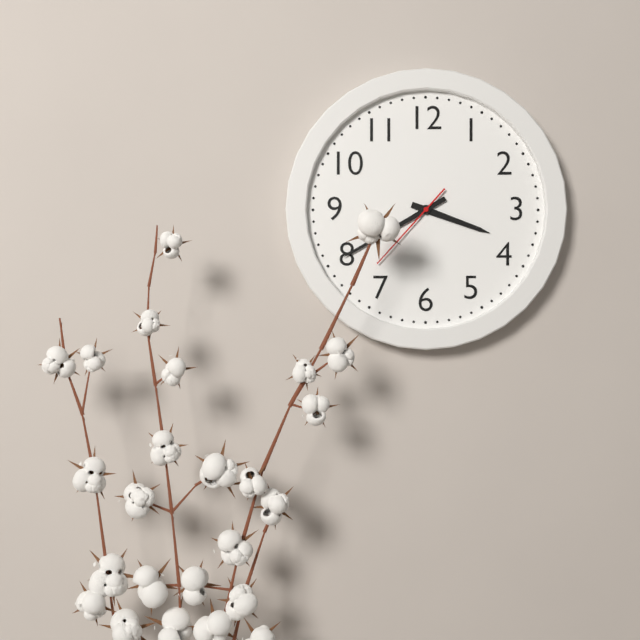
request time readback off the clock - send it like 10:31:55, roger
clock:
3:40:37
